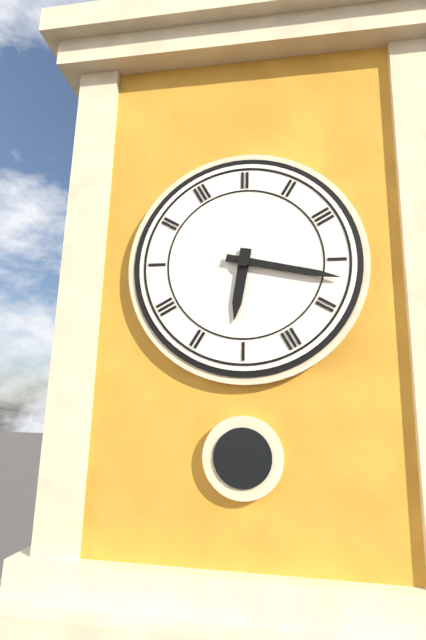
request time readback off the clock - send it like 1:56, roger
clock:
6:17
